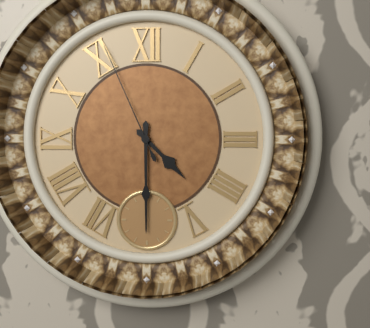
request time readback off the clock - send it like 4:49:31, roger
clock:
4:30:56
